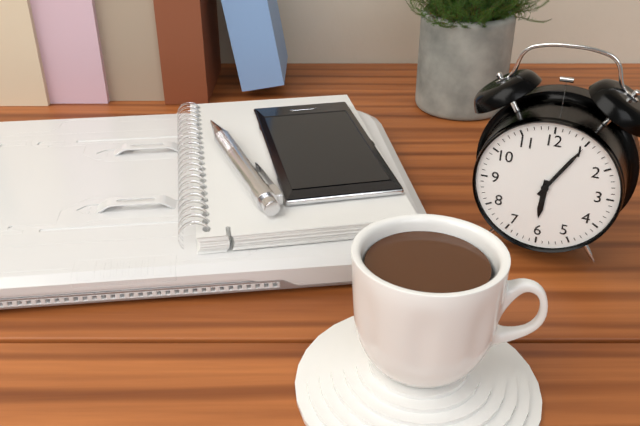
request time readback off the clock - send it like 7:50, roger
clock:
6:05
